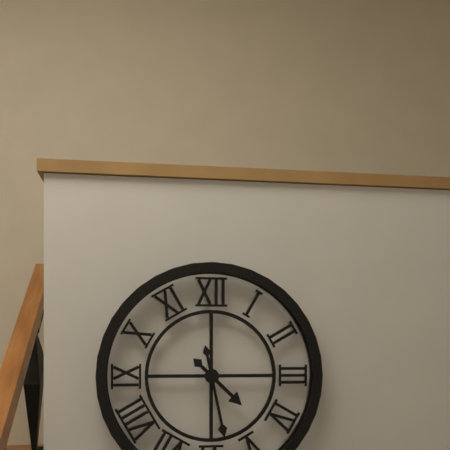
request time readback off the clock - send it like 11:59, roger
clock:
4:28
